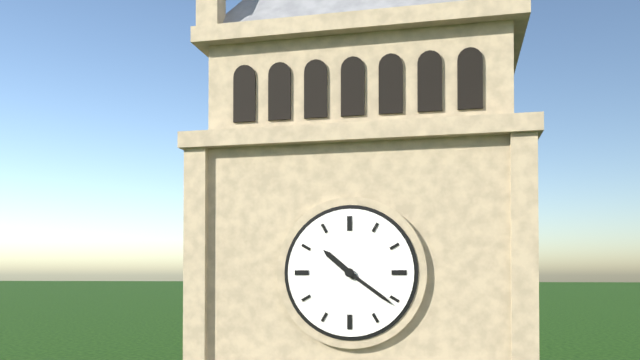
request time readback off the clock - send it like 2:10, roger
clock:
10:21
